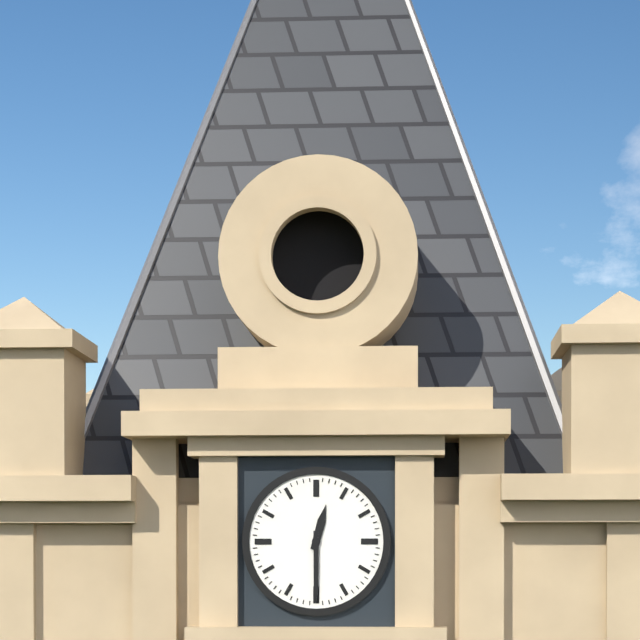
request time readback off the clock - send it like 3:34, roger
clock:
12:30
